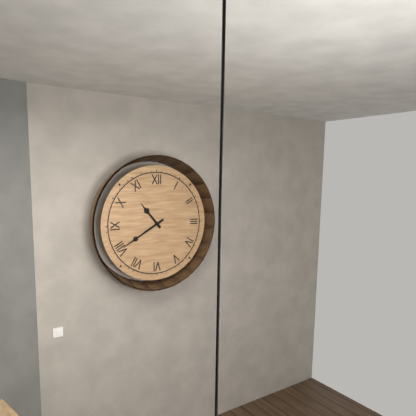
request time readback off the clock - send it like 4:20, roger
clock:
10:40
